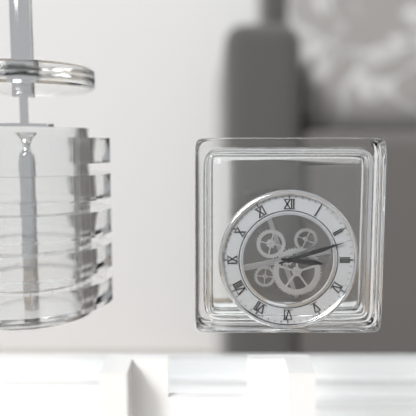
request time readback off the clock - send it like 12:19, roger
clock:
3:12
